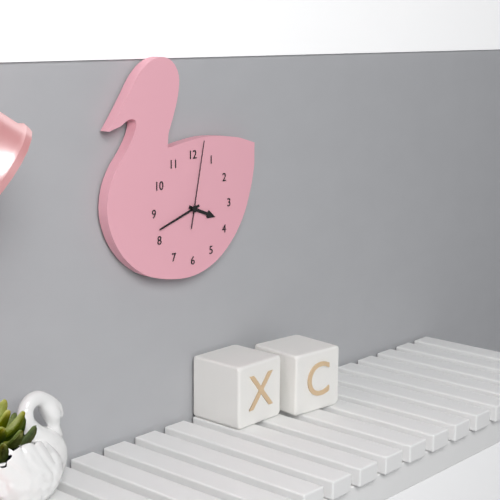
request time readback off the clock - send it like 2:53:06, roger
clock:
3:42:02
